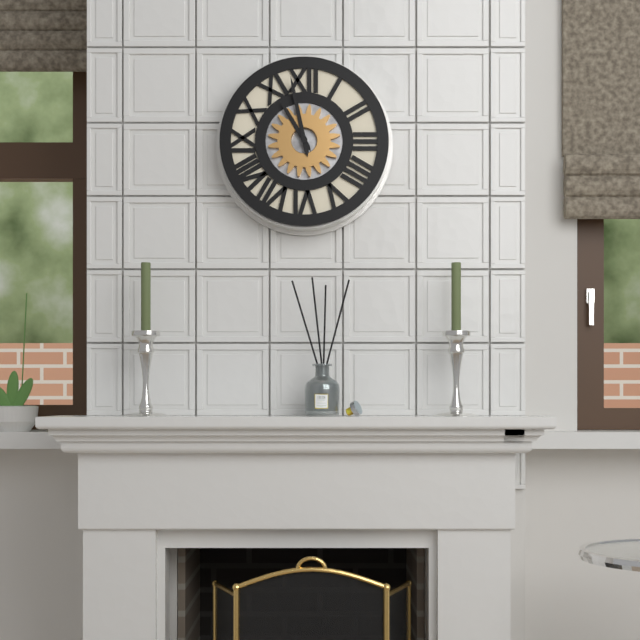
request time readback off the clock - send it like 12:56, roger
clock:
10:58
